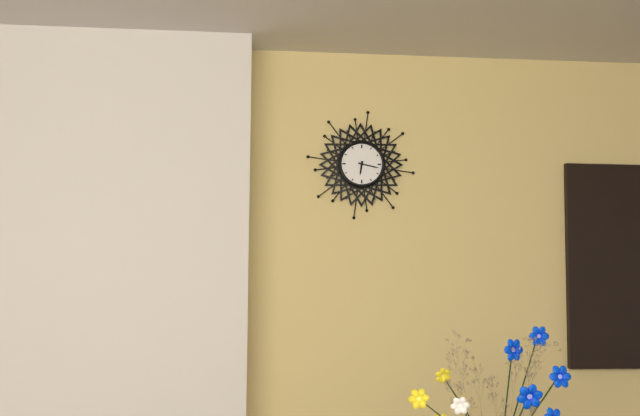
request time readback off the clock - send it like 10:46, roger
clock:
6:17
